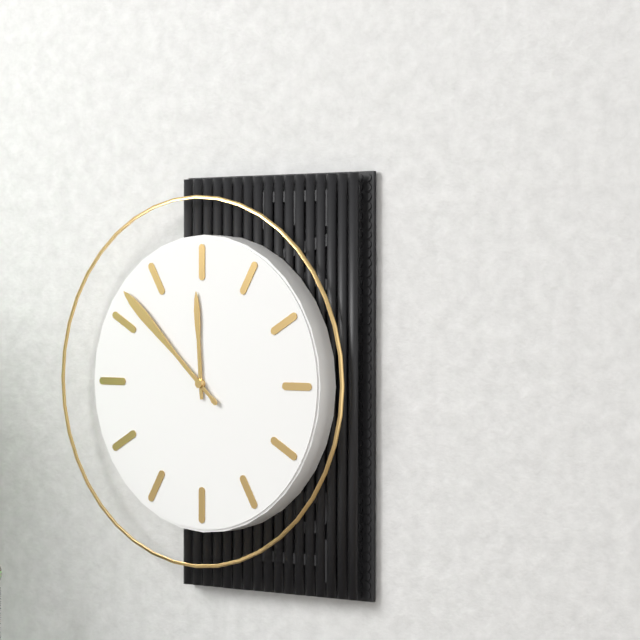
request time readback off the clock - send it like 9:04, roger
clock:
11:52
